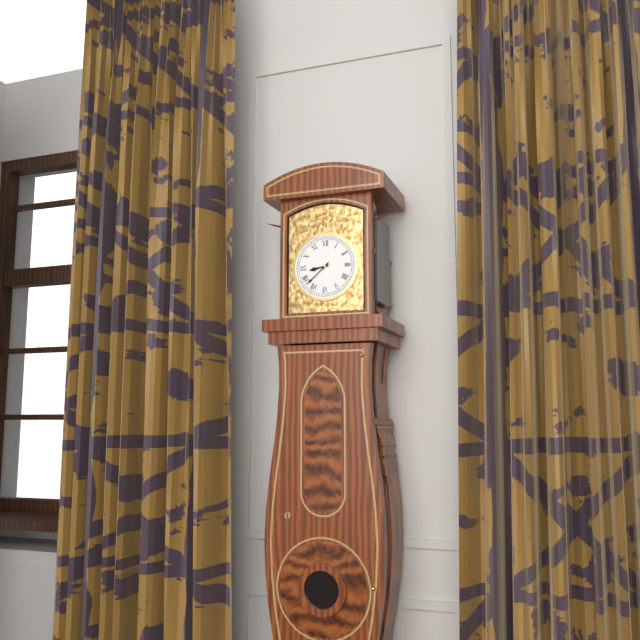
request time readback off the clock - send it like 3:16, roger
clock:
8:38
